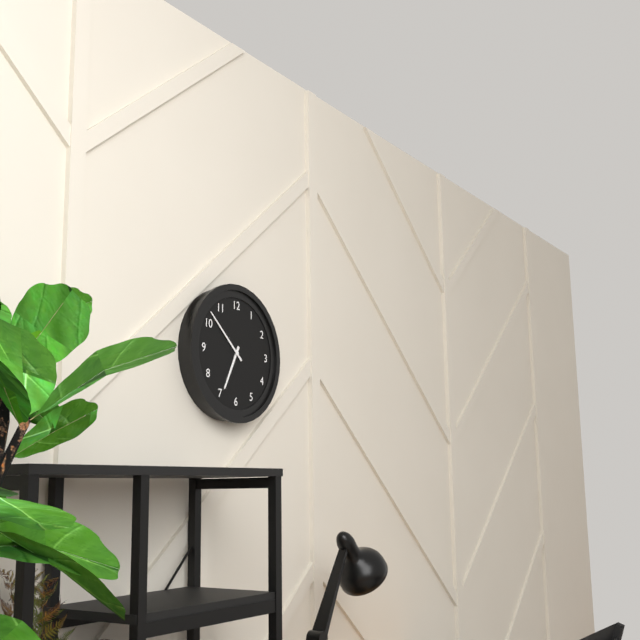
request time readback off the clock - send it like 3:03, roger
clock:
6:52
